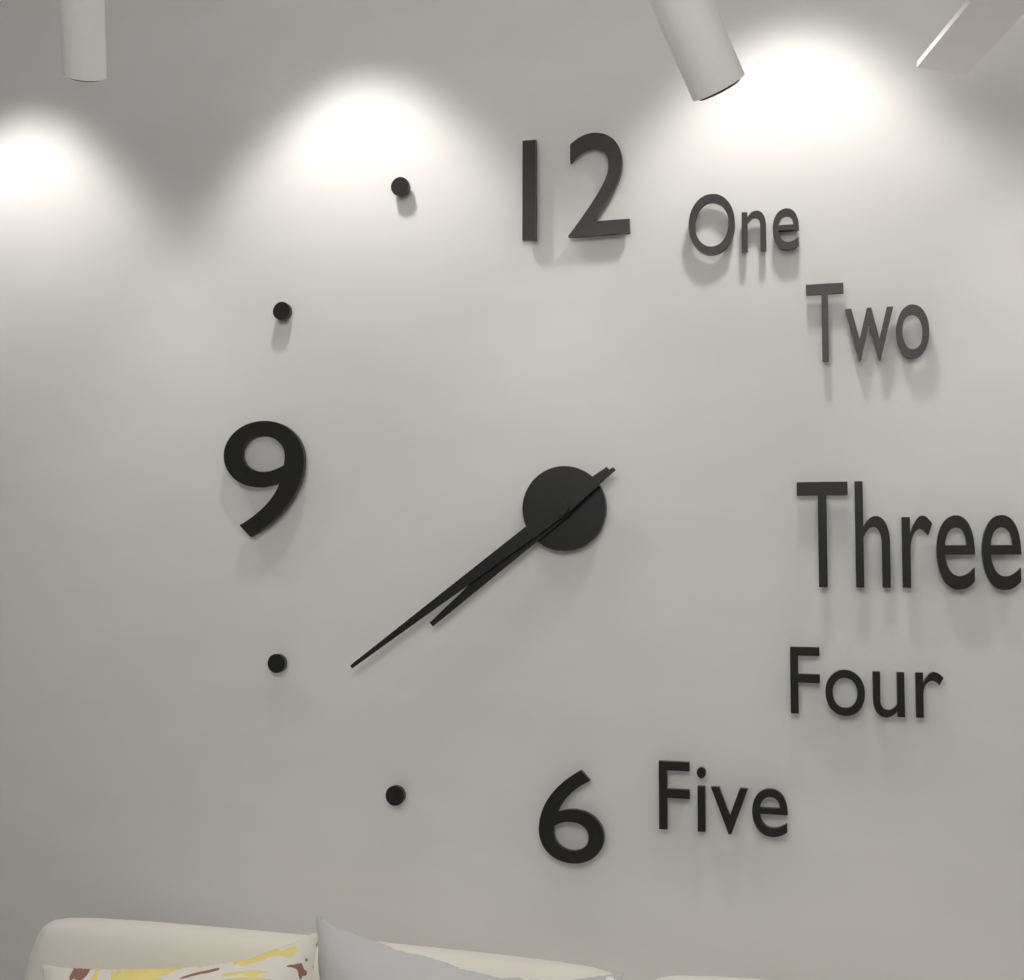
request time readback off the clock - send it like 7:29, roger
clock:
7:39
